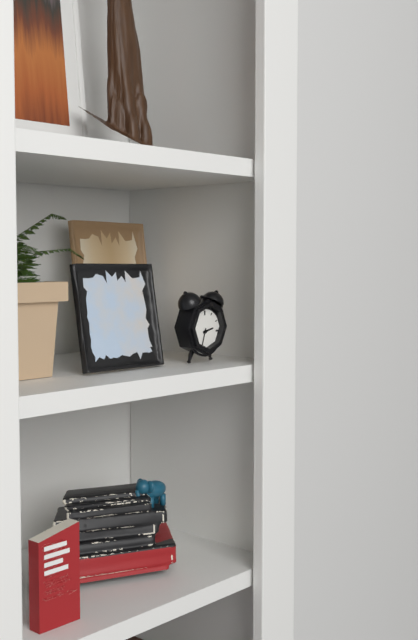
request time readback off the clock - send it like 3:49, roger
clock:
2:33
